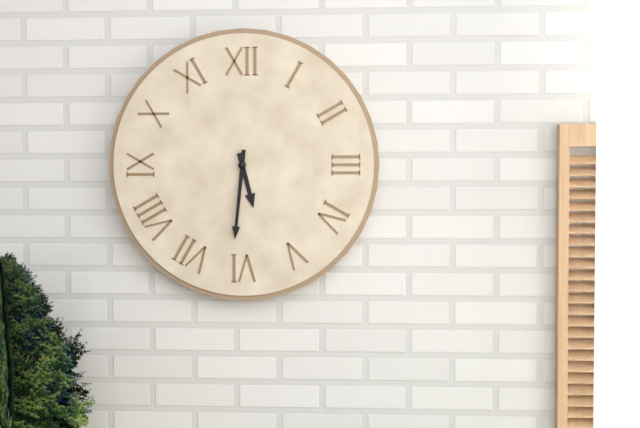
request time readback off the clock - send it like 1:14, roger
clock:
5:31
